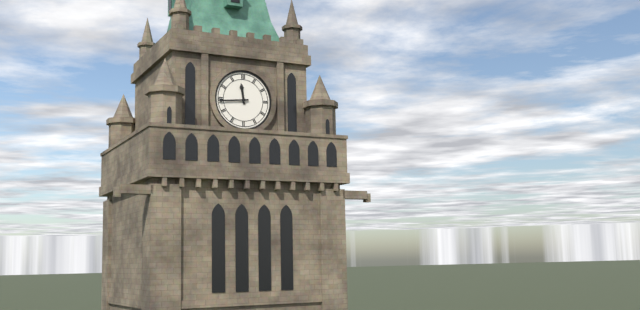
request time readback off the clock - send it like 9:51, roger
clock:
11:44
